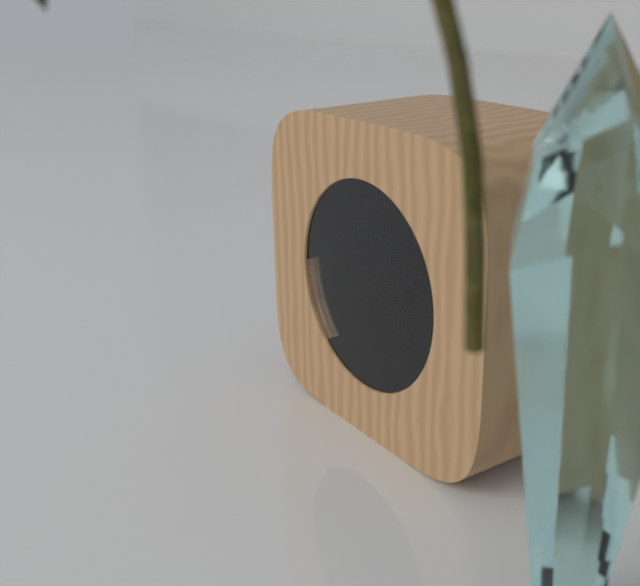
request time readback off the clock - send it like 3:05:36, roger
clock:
3:20:08
